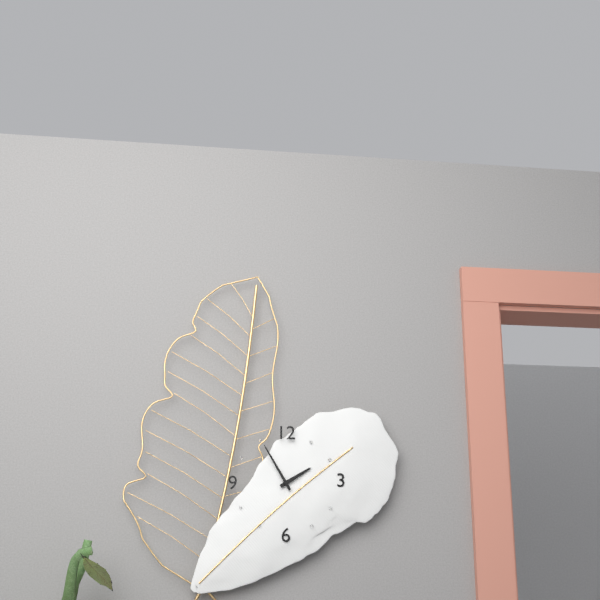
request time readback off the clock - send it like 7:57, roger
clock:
1:55
